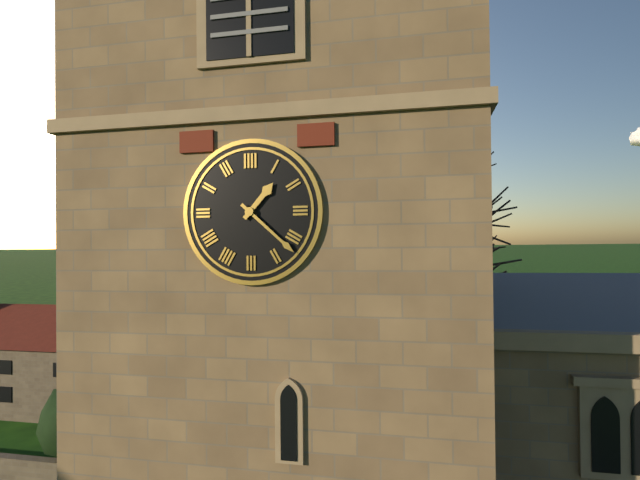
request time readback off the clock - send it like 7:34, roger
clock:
1:22
